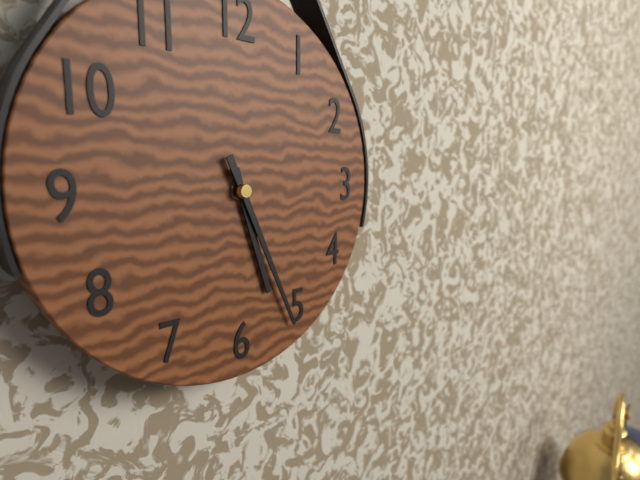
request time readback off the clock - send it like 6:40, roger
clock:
5:26
